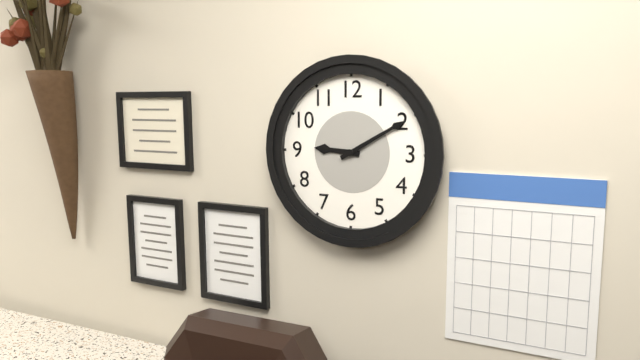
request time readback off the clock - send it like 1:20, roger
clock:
9:10
